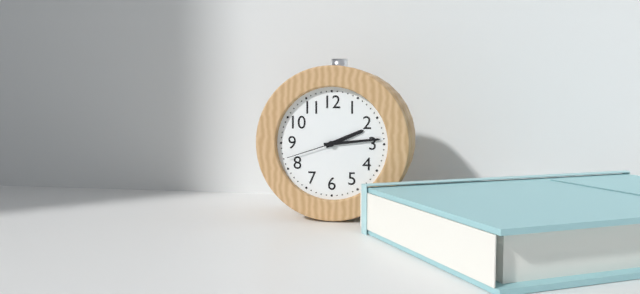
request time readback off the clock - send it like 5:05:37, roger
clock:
2:14:42
